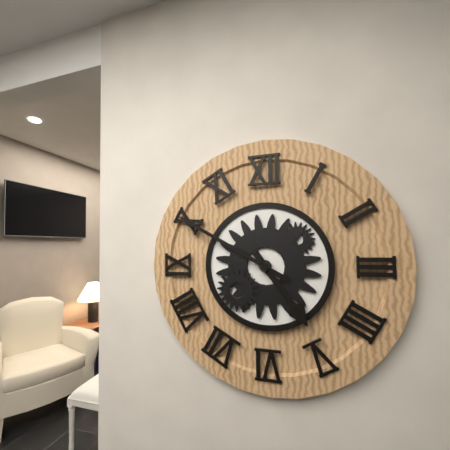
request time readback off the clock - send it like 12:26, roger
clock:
4:50
